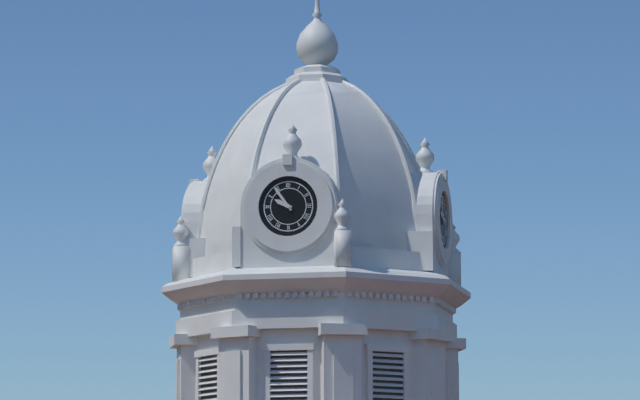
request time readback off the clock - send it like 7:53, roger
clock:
9:54
